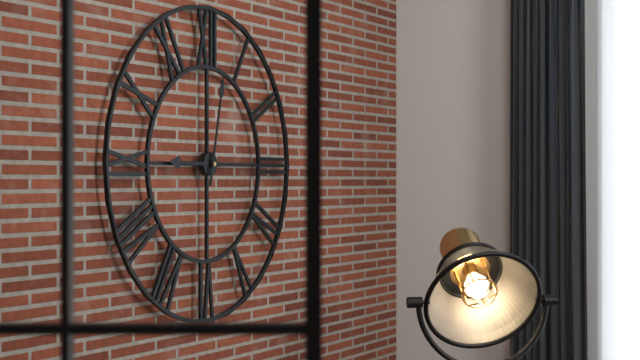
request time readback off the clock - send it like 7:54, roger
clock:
9:02
